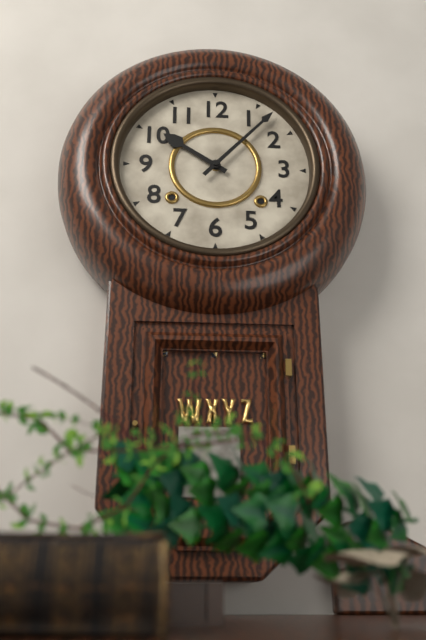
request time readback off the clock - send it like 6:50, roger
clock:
10:07
